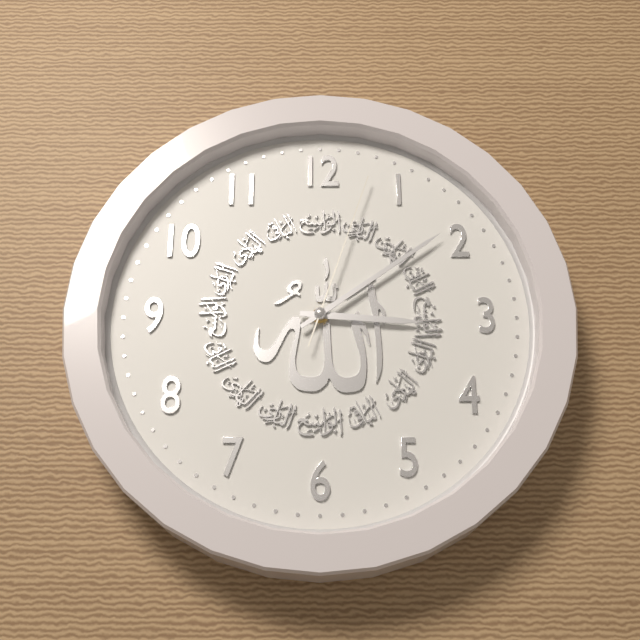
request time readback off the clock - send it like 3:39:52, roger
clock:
3:09:03
